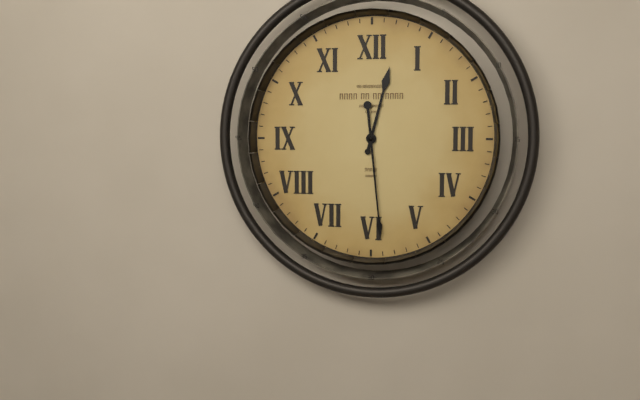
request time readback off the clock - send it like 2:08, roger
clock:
12:29
